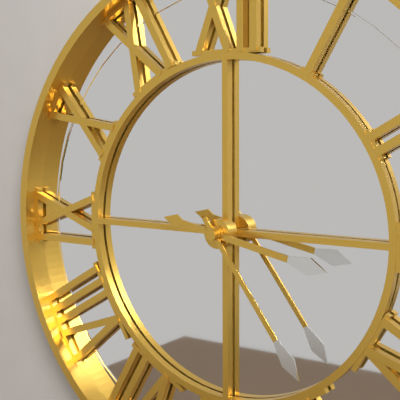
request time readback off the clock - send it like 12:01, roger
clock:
3:24
